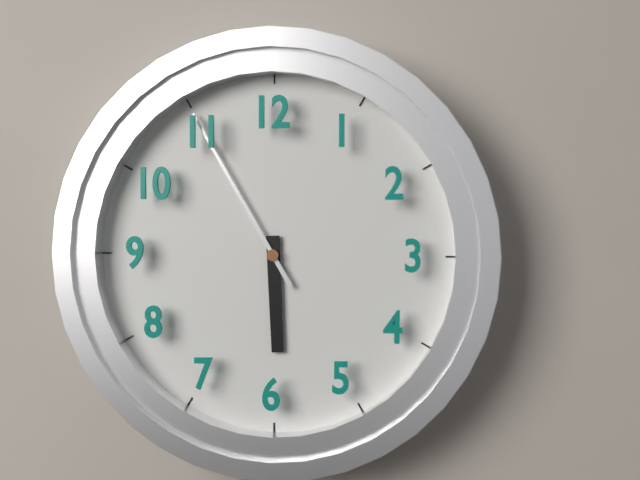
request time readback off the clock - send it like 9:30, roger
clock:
5:55
